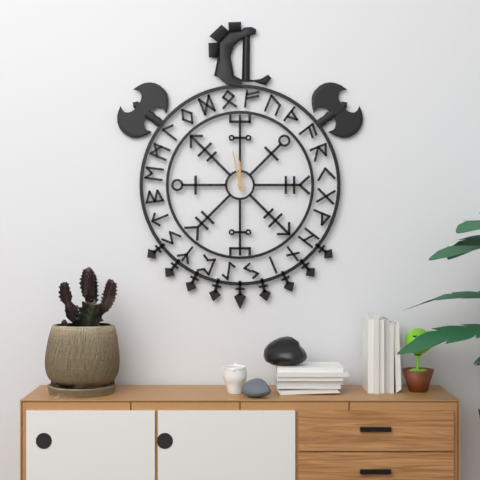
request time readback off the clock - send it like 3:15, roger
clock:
11:58
